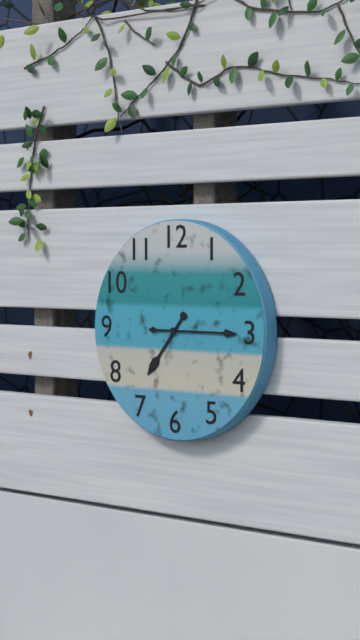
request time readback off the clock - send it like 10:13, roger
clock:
7:15
